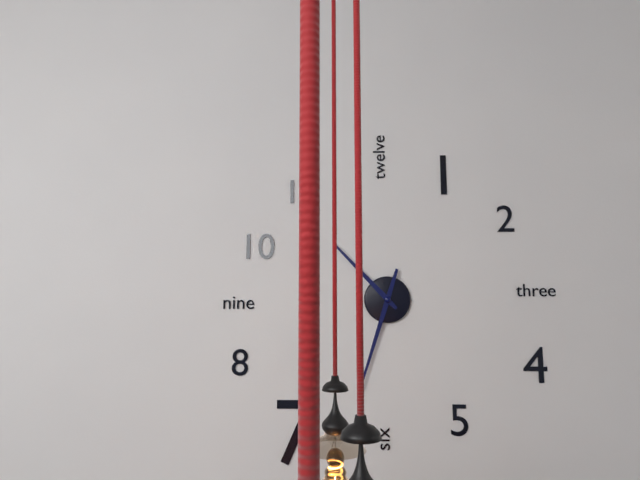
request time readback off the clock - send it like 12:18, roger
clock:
10:33
